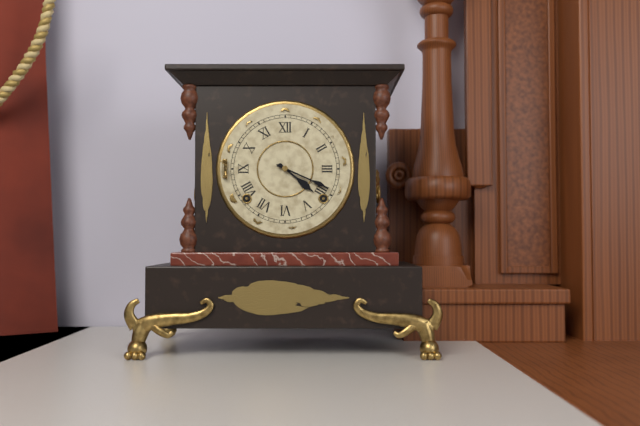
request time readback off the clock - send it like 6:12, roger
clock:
4:19
